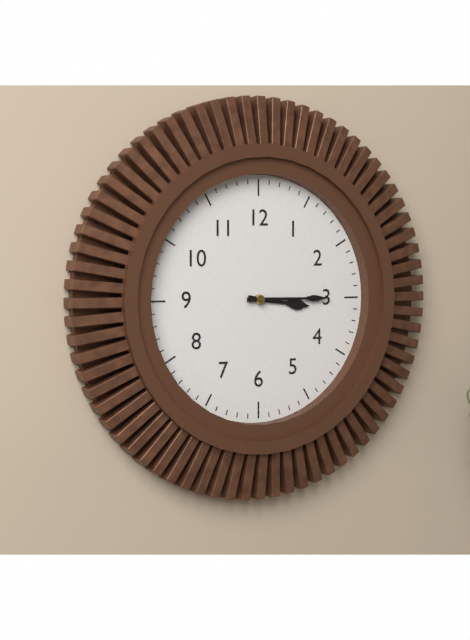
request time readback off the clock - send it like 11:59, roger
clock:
3:15
